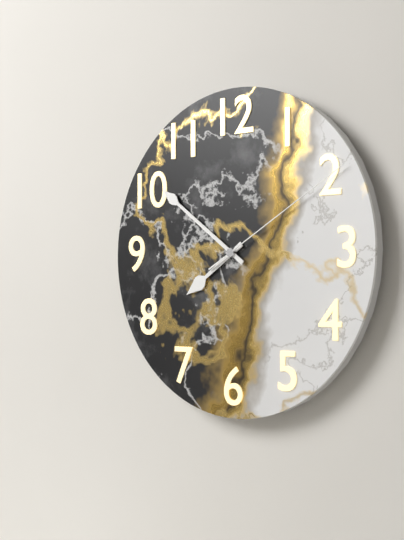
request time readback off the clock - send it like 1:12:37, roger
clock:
7:51:10
